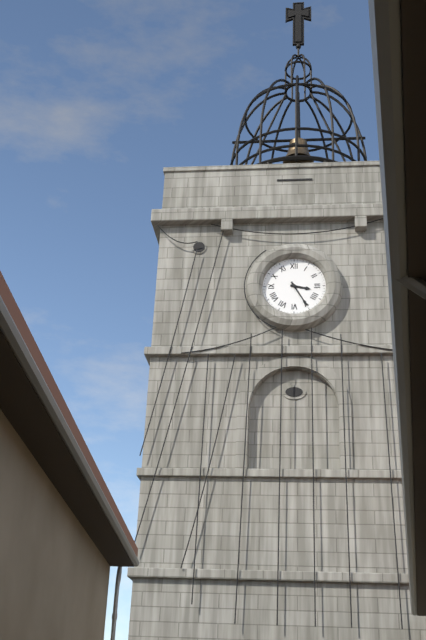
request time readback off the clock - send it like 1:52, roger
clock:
3:25
